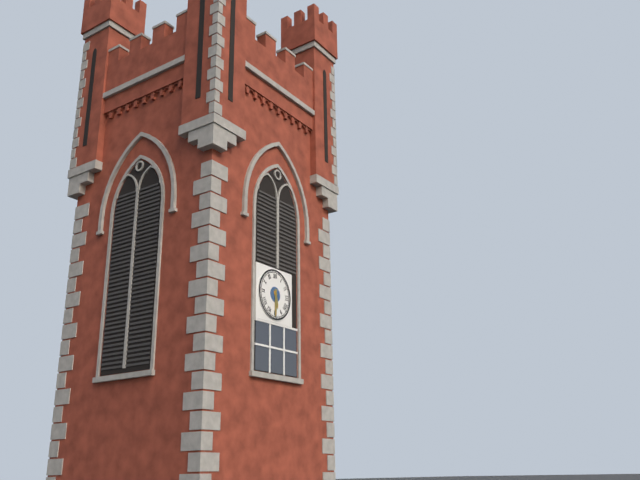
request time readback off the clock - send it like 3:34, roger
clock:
5:30
